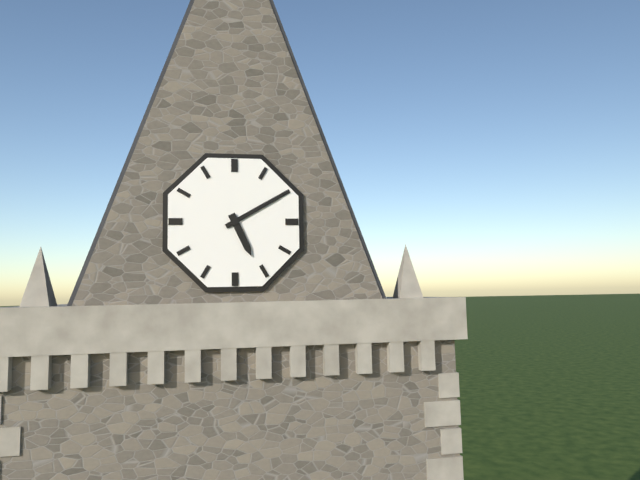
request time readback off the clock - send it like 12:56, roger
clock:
5:10
